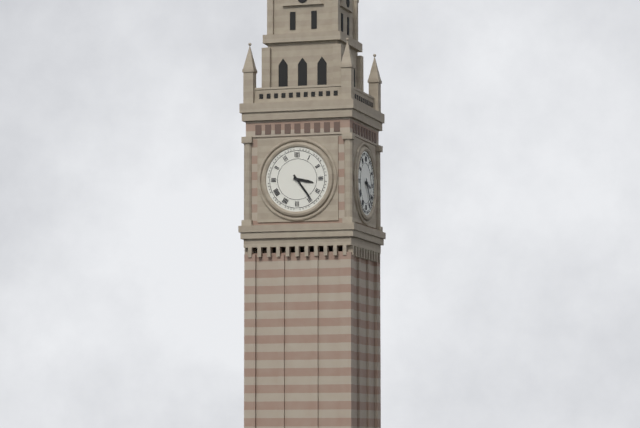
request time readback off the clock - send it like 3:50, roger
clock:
3:24
